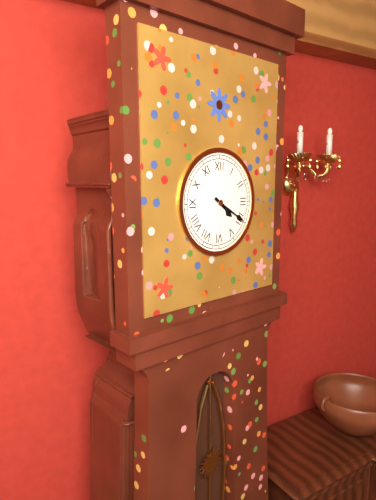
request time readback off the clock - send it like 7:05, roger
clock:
4:20
